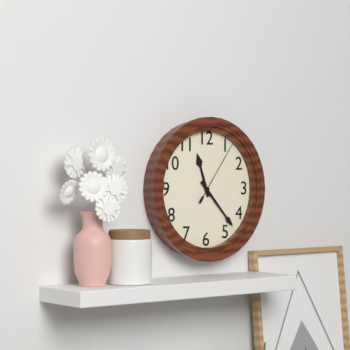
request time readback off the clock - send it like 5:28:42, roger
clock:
11:23:06
